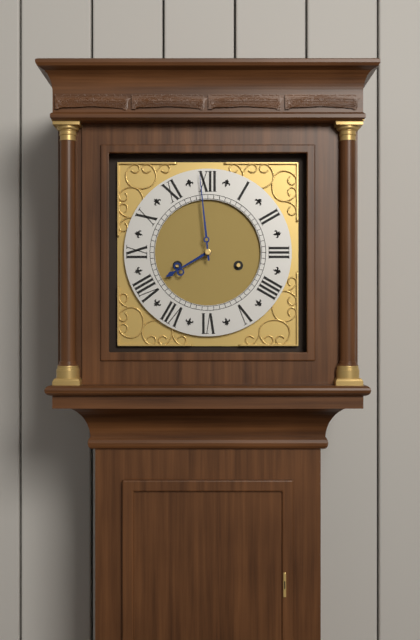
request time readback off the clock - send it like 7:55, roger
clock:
7:59
